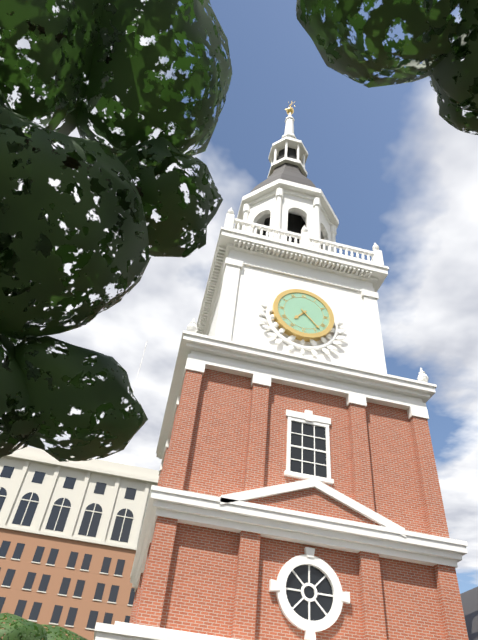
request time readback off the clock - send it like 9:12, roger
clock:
7:23
